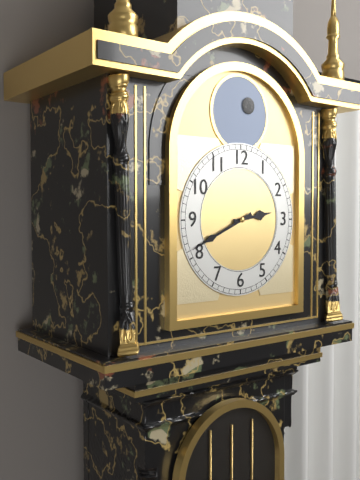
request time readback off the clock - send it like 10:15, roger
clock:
2:41
